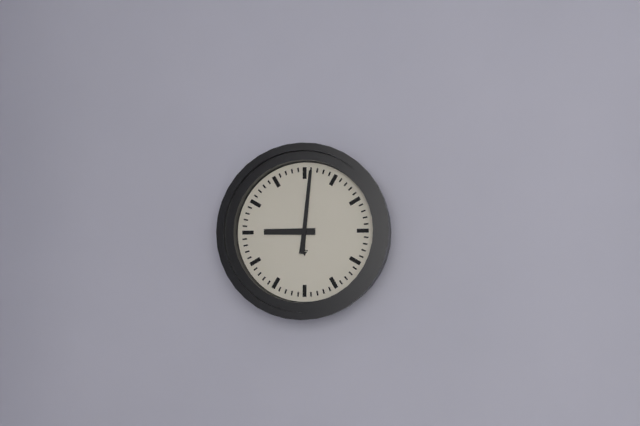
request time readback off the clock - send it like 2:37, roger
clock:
9:01
